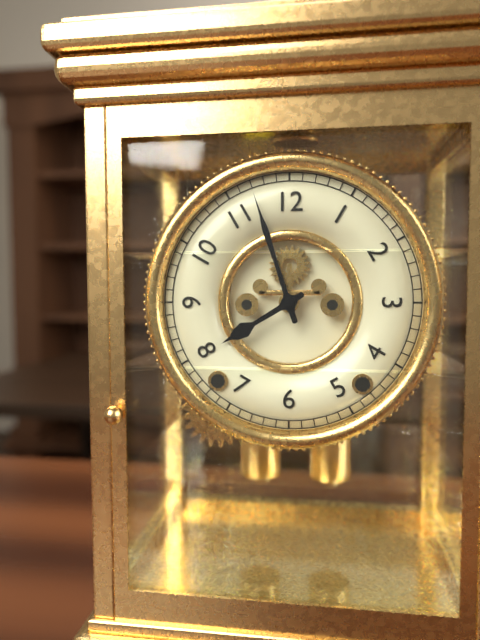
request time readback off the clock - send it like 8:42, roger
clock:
7:57
